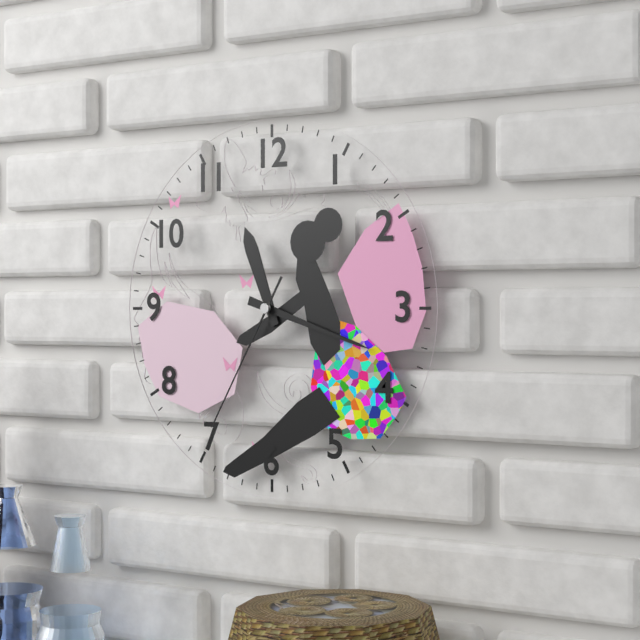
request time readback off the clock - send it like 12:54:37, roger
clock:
11:18:35
